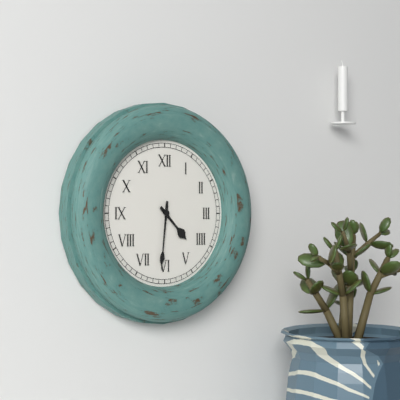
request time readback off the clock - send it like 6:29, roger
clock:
4:31
